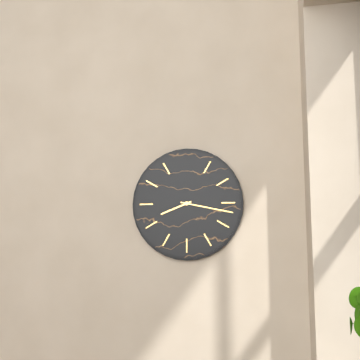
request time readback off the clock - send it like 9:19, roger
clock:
8:17
